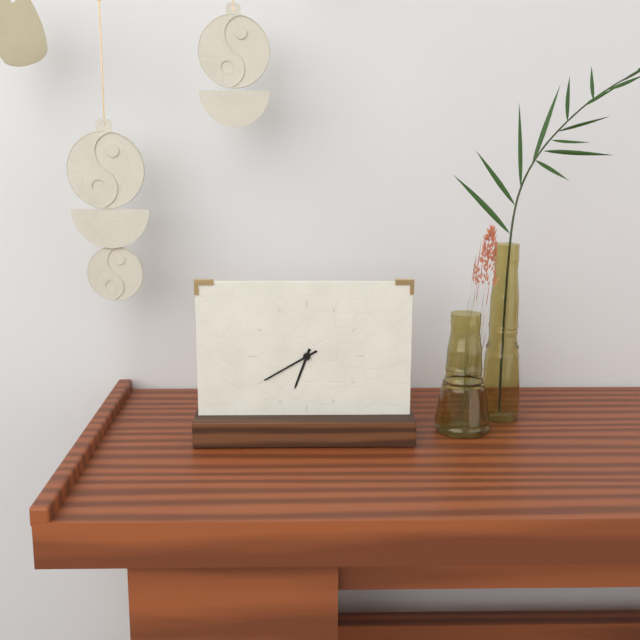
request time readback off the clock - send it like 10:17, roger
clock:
6:40
